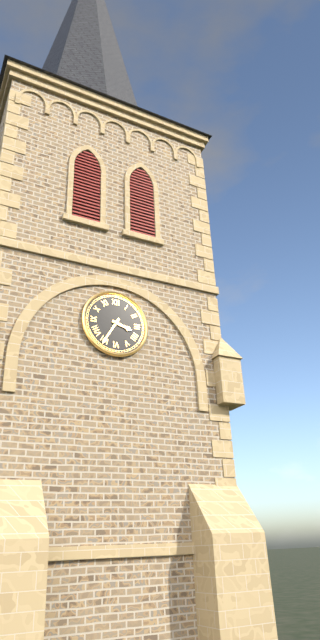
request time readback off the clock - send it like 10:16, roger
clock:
3:35
